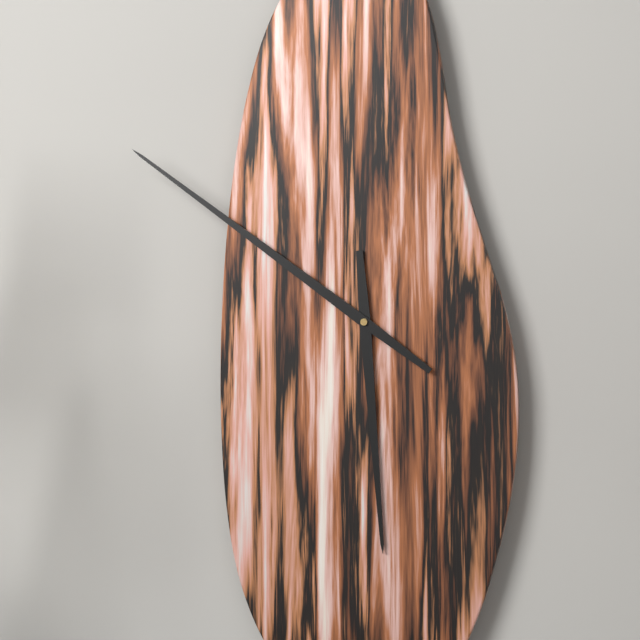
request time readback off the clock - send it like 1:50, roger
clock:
5:51
